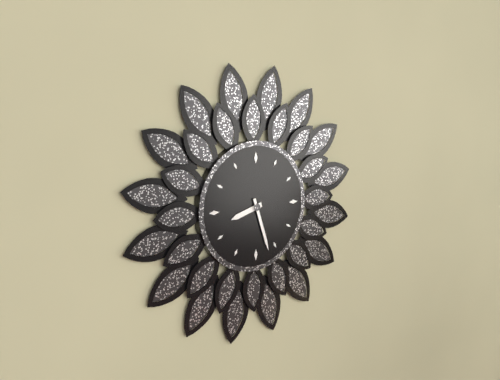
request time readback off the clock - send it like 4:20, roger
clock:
8:27
